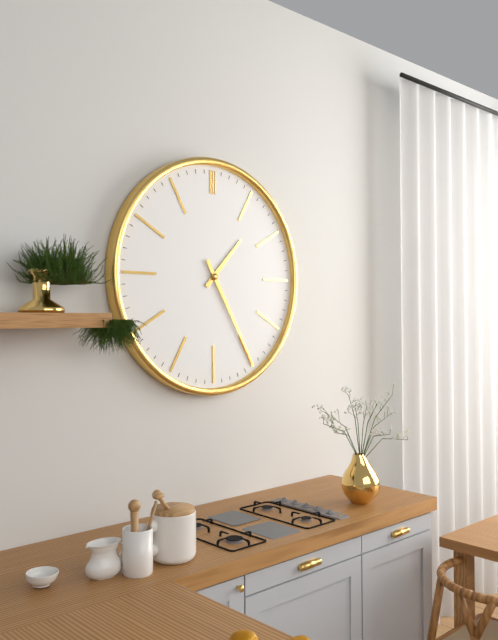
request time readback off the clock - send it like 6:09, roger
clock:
1:25
